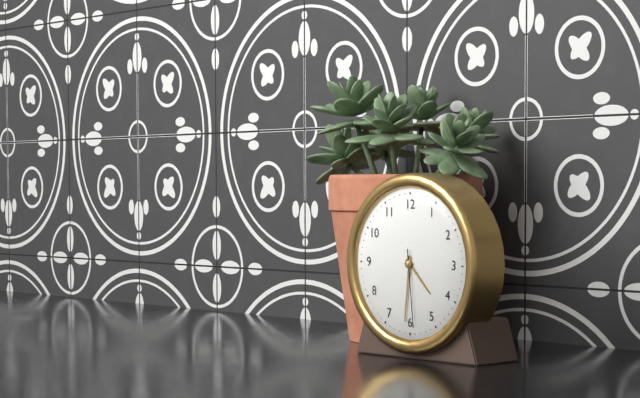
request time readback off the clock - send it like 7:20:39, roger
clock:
4:31:29
